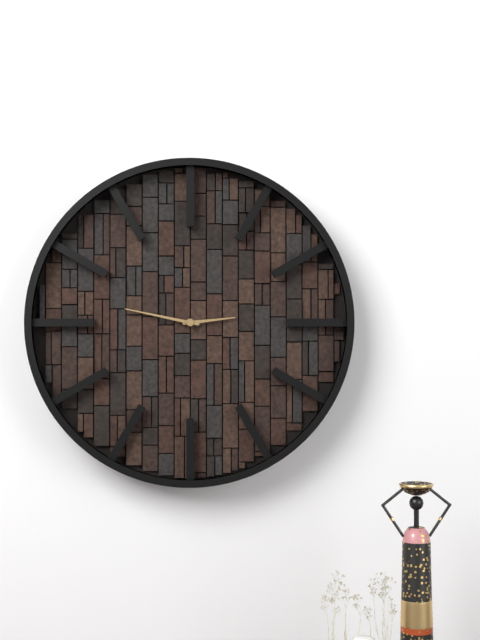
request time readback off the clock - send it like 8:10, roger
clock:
2:47
